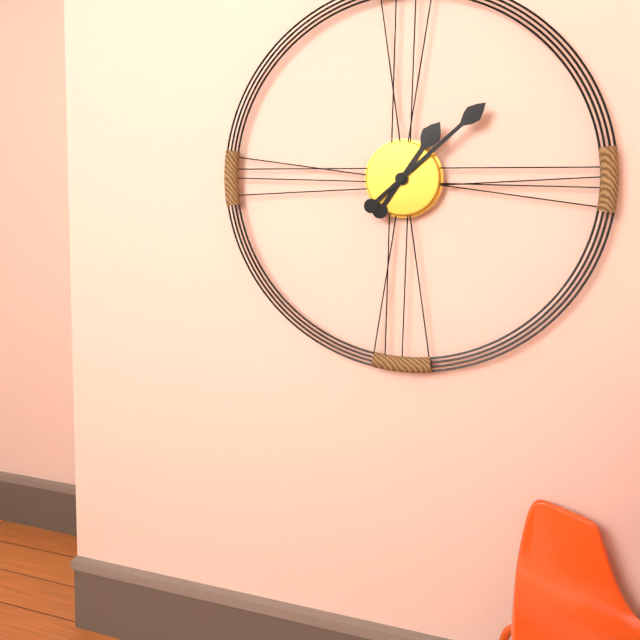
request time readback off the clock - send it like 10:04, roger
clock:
1:08
